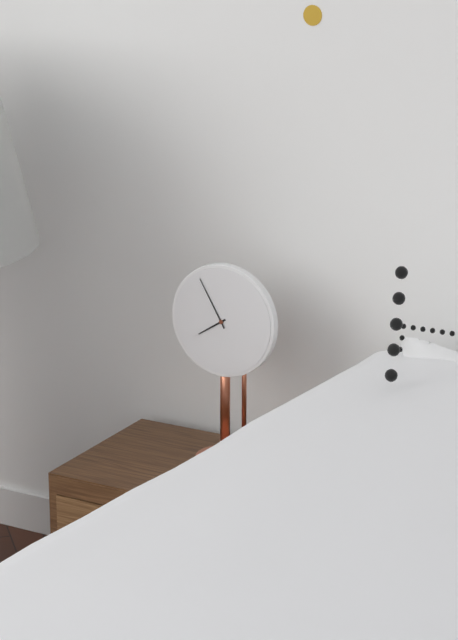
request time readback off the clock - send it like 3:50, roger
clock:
7:55
